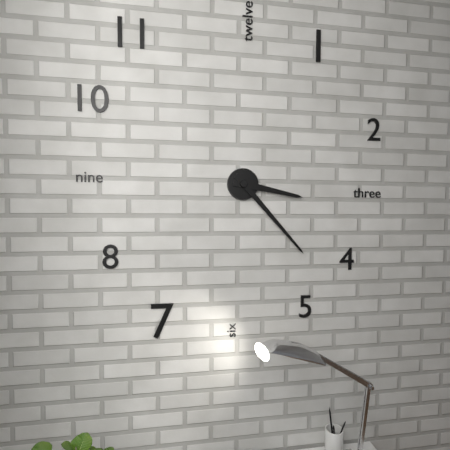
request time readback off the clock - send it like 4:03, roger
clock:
3:23
